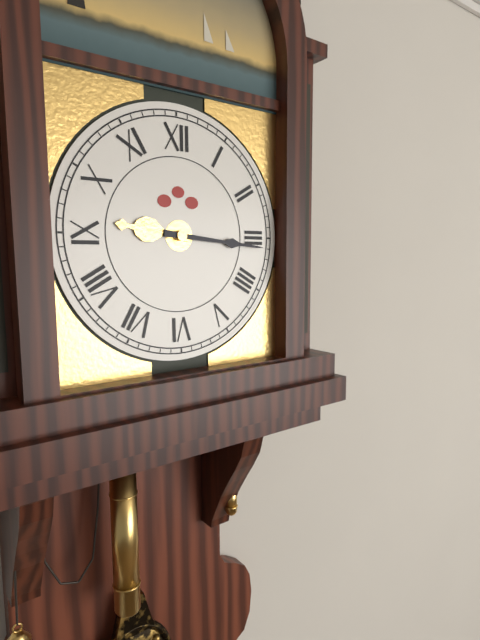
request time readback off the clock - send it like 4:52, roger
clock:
9:16
